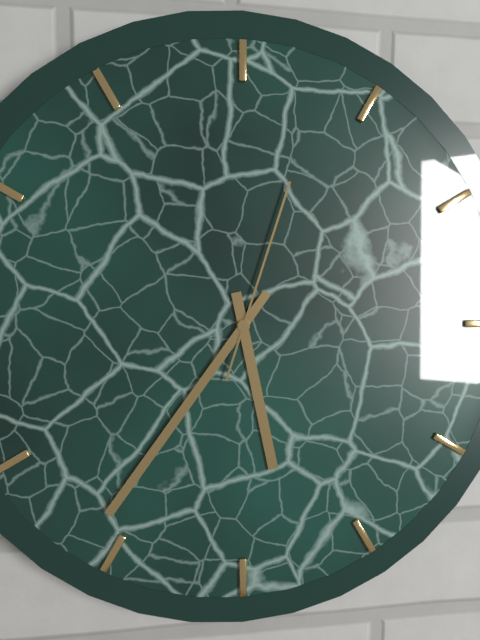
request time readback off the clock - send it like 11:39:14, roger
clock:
5:36:03
